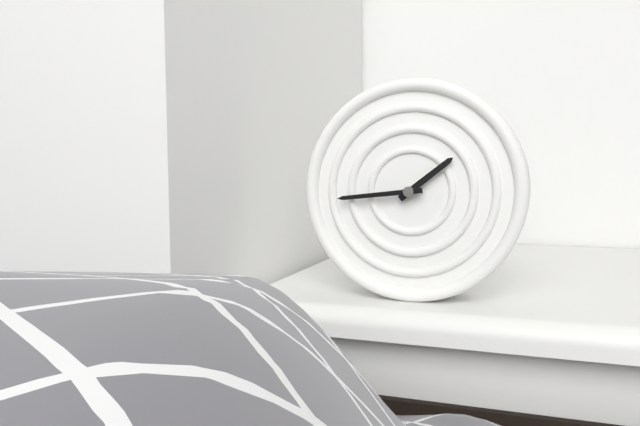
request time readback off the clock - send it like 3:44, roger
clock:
1:44
